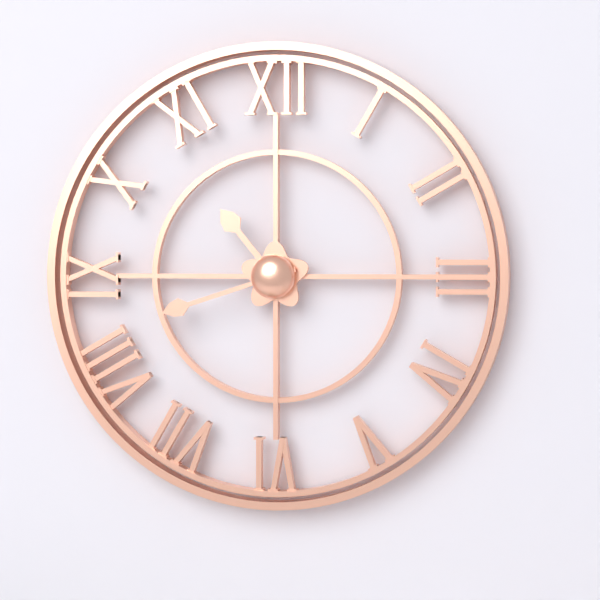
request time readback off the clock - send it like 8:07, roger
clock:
10:42
